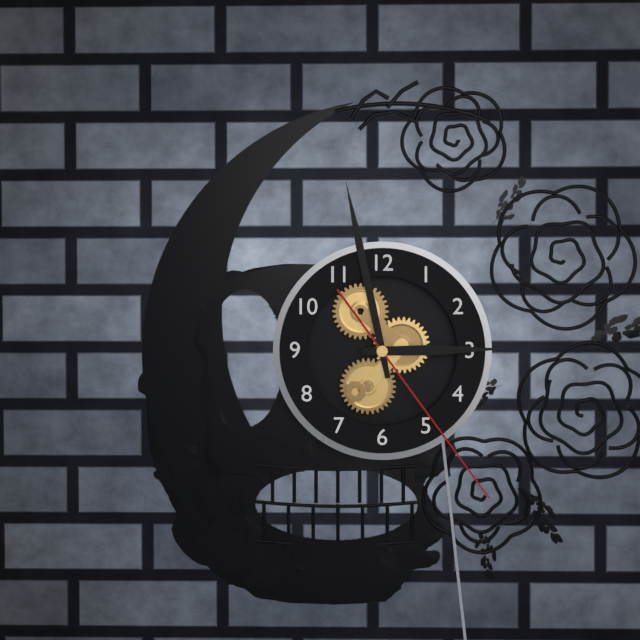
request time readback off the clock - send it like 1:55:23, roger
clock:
2:58:24
